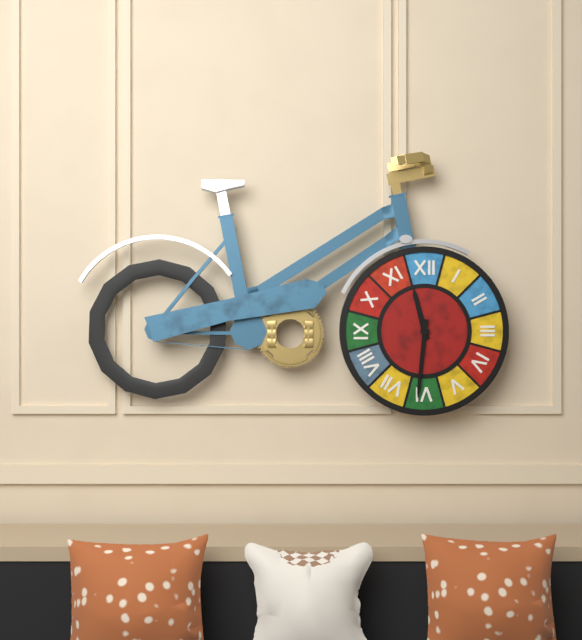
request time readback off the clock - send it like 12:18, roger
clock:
11:31
